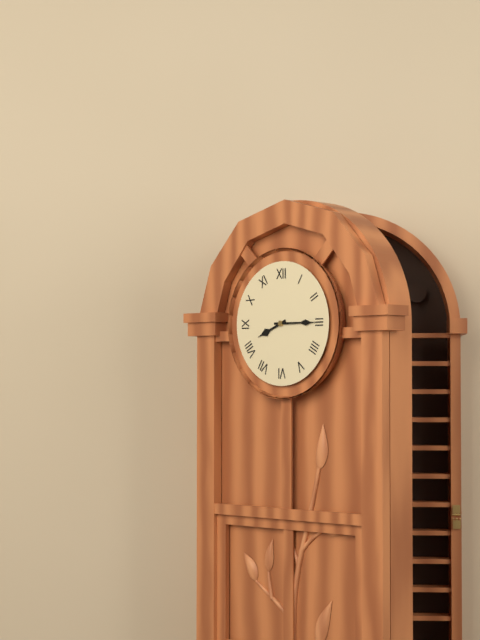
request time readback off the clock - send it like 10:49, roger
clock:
8:15
